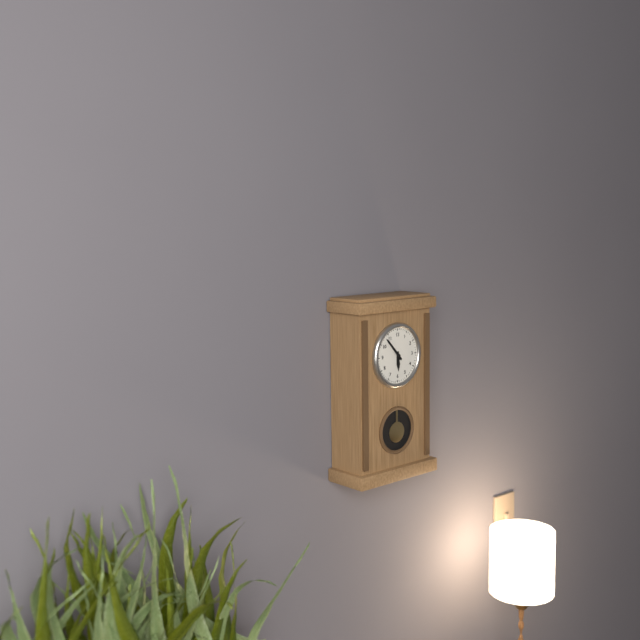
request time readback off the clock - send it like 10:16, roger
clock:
5:53
